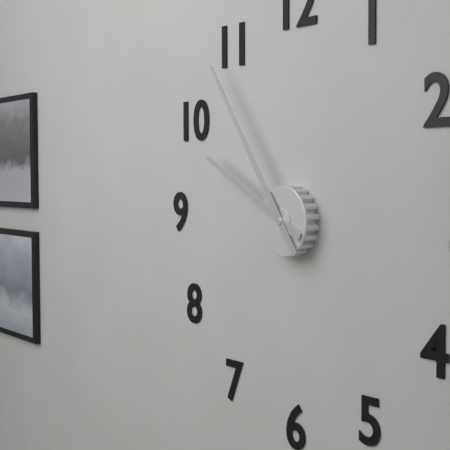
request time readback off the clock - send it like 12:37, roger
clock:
9:54
